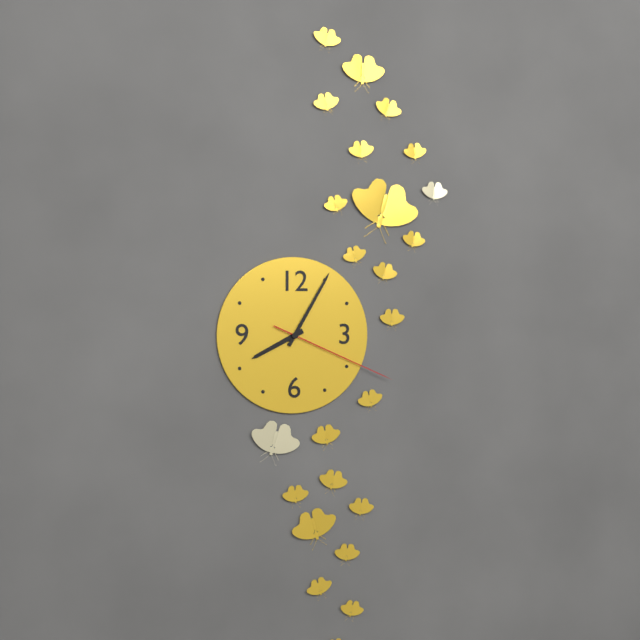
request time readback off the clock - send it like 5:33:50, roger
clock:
8:05:19
